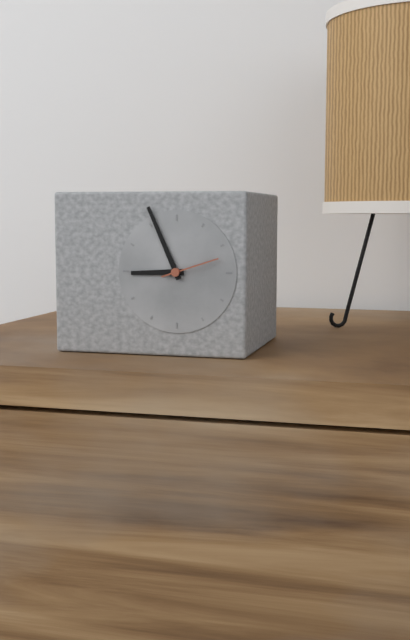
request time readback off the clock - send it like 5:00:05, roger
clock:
8:56:12
